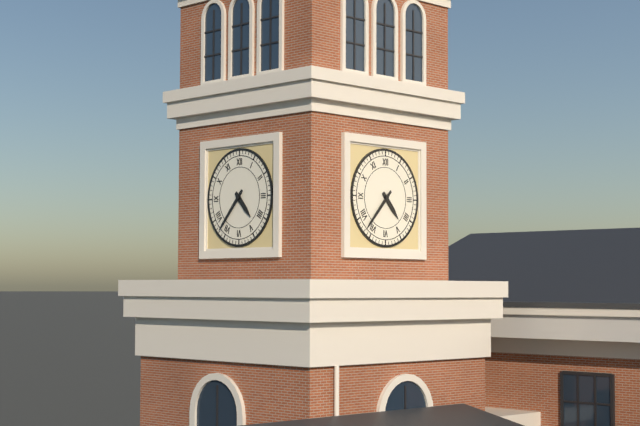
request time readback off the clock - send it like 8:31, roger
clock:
4:37
